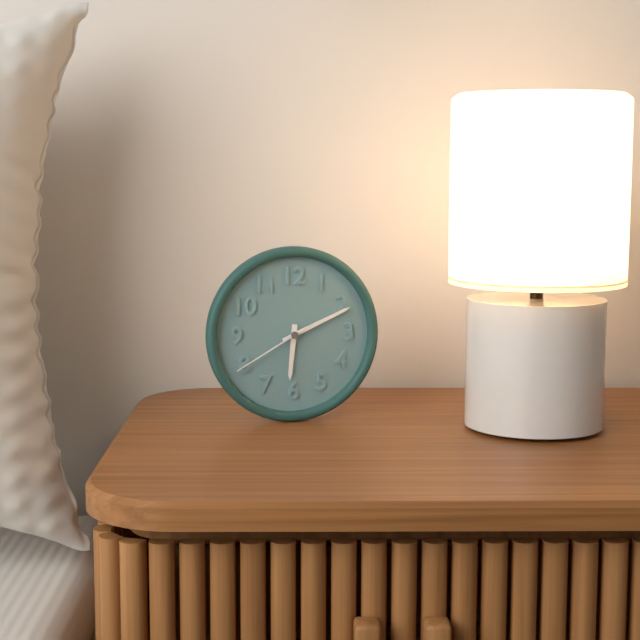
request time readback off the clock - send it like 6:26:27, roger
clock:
6:11:40
